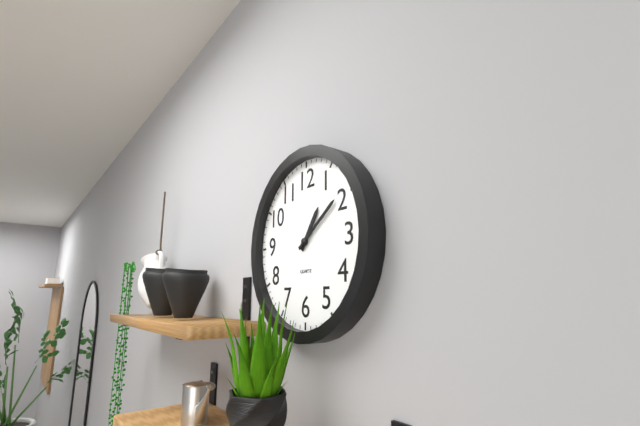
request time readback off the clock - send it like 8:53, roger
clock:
1:09
